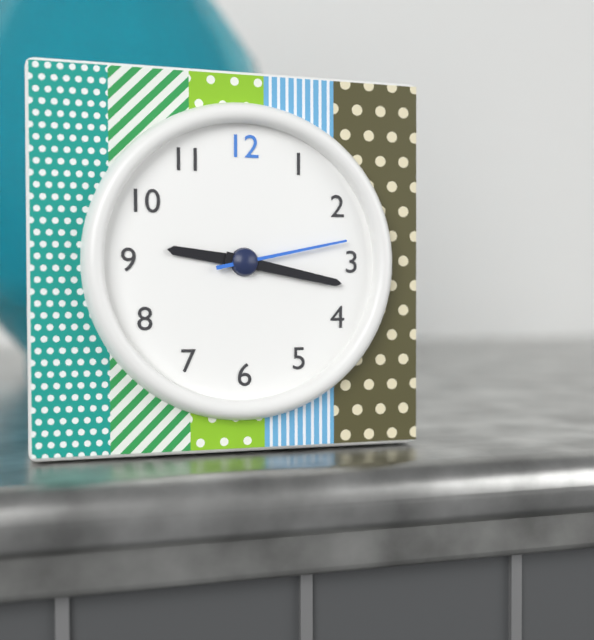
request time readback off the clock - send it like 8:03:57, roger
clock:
9:17:13
